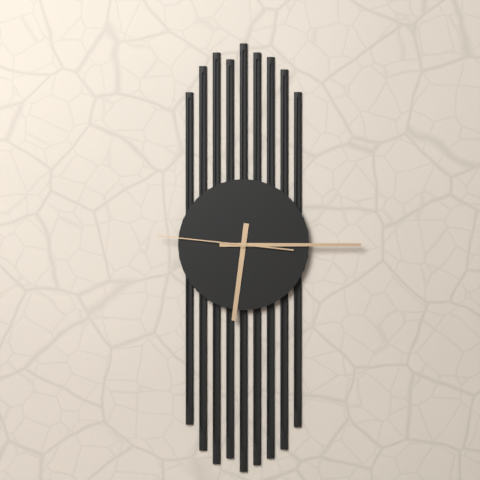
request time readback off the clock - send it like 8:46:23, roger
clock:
6:15:46
